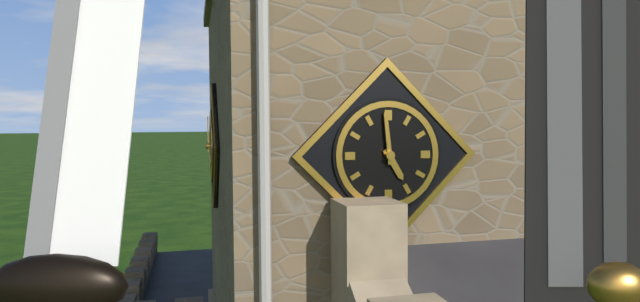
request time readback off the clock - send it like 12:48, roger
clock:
4:59
